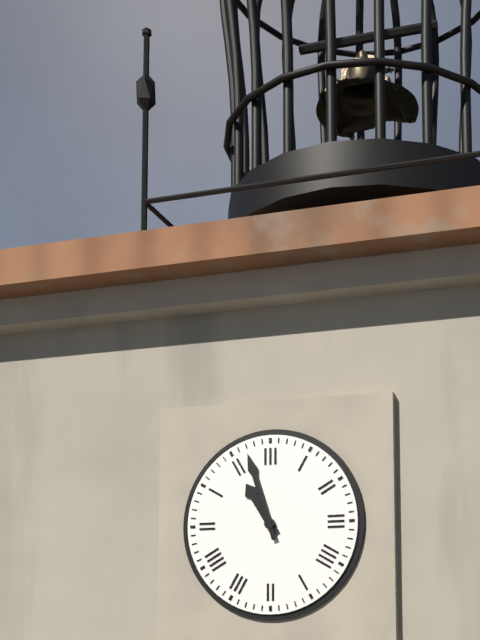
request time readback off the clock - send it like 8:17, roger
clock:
10:57
